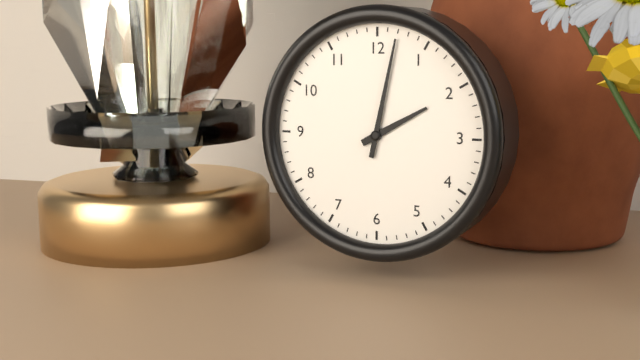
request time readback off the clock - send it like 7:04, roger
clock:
2:02
